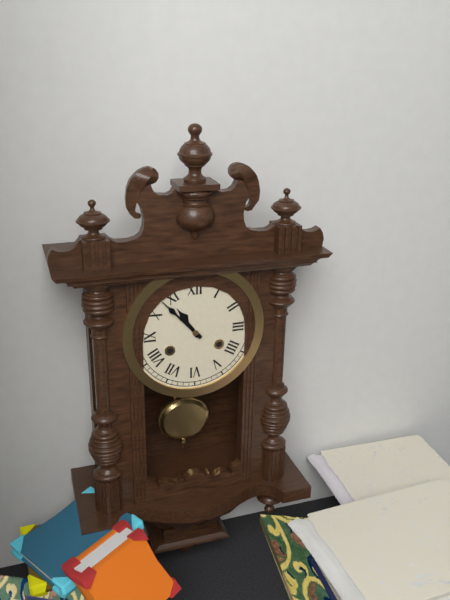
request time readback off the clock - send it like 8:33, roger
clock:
10:53
